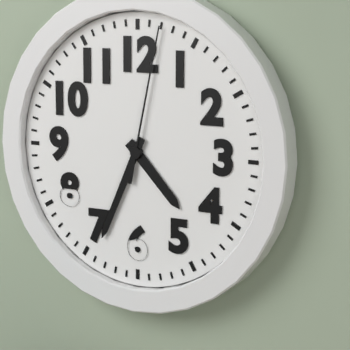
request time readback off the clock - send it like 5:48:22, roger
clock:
4:34:02
